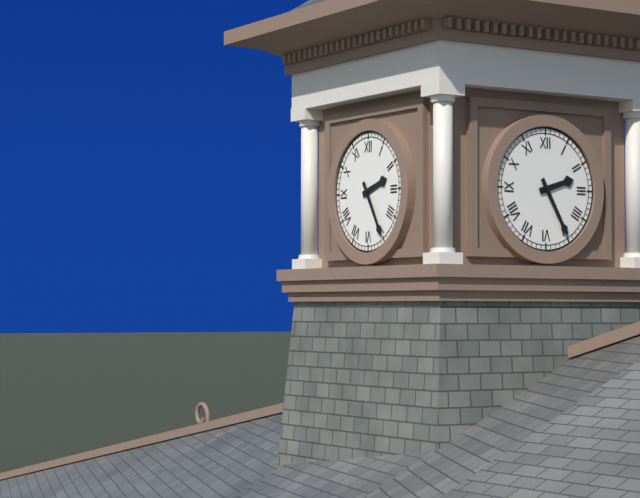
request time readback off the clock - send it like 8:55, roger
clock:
2:25
